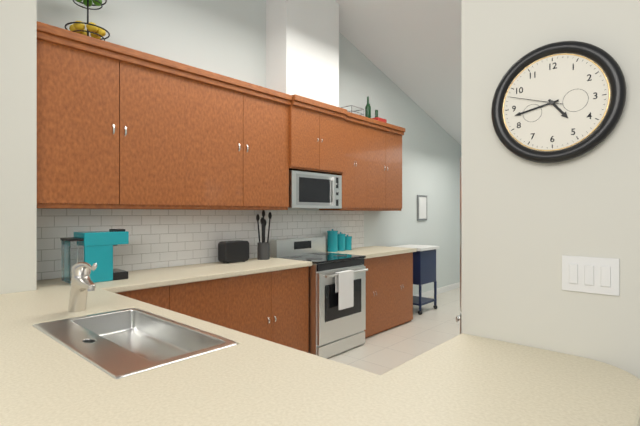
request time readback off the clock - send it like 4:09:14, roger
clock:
4:43:48
